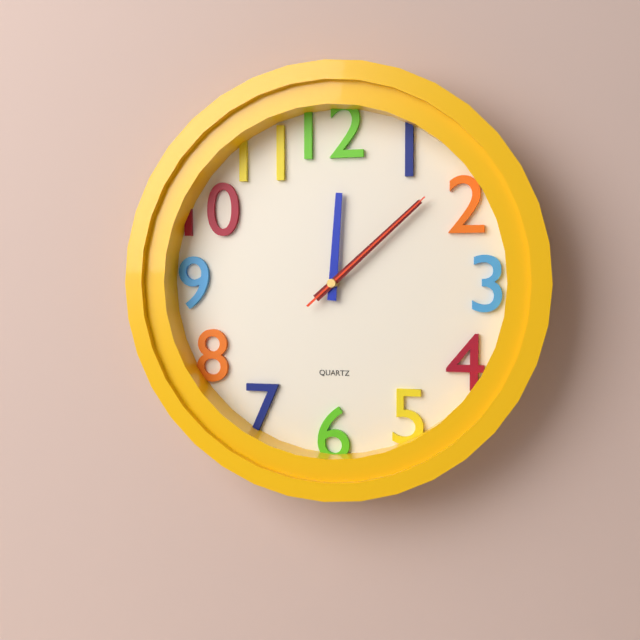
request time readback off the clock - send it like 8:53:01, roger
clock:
12:08:08
